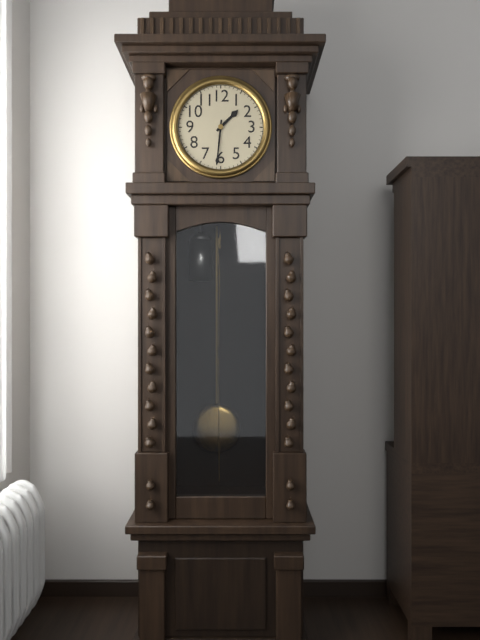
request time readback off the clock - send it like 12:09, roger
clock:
1:31
